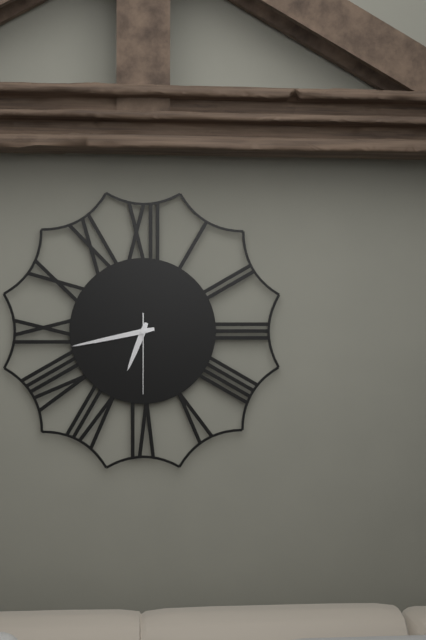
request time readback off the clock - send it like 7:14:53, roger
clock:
6:43:30
